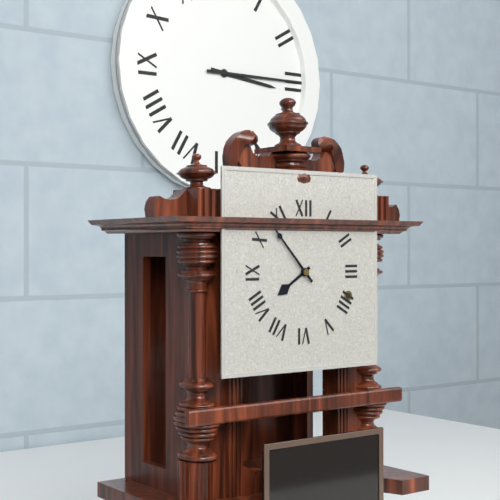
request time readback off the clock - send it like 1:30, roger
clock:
7:53
